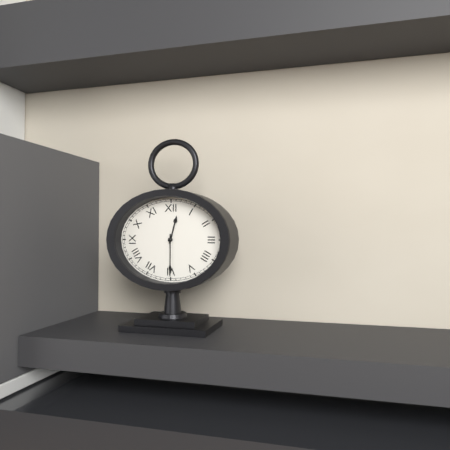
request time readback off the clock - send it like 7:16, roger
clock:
12:30
